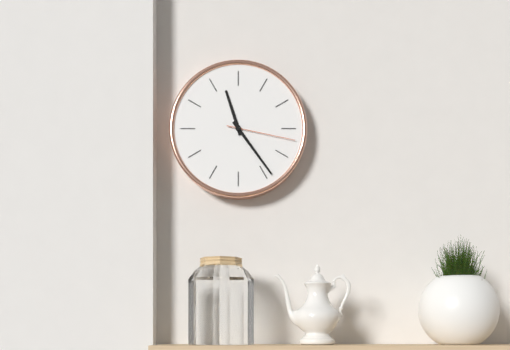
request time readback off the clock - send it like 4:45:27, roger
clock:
11:24:17
